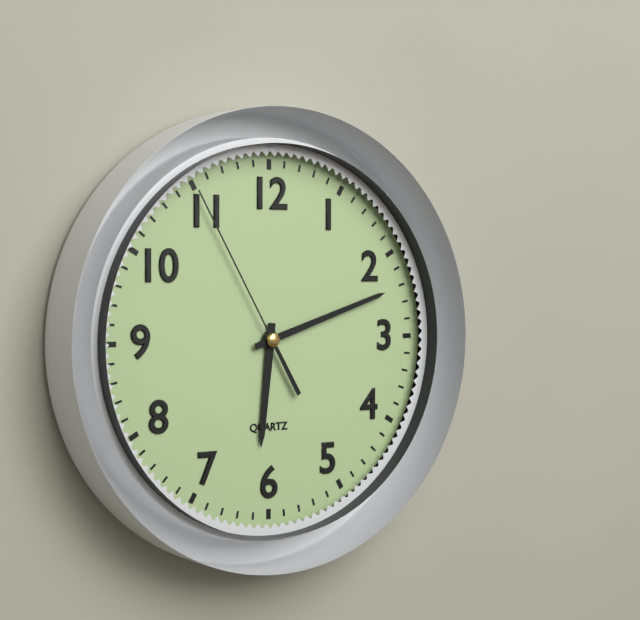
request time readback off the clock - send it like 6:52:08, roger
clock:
6:12:55
